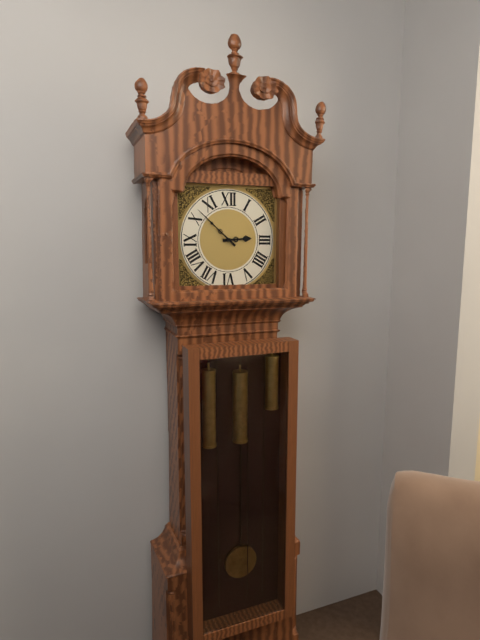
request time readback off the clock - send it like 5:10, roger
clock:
2:52
